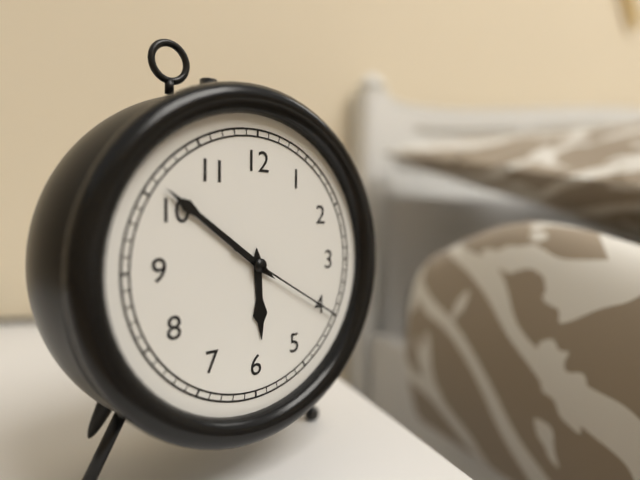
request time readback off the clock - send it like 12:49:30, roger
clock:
5:51:20
